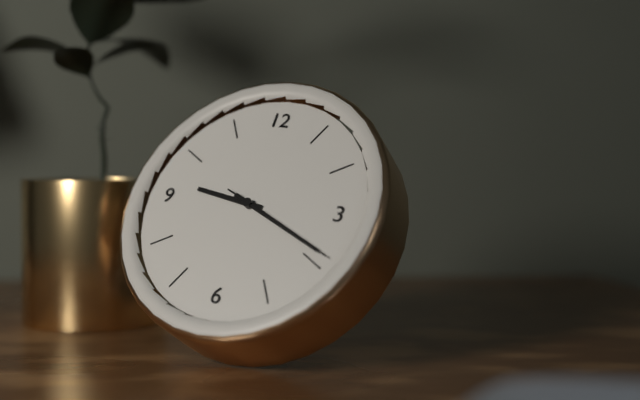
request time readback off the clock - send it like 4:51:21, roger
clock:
9:19:19
